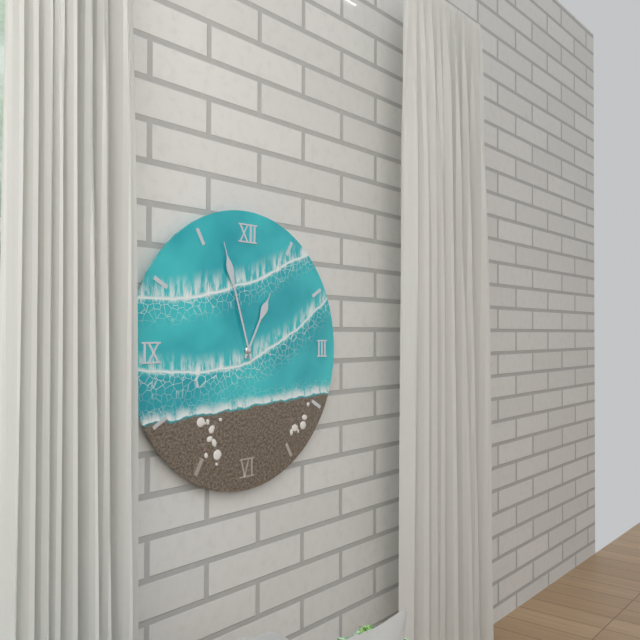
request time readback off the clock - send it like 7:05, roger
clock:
12:57
